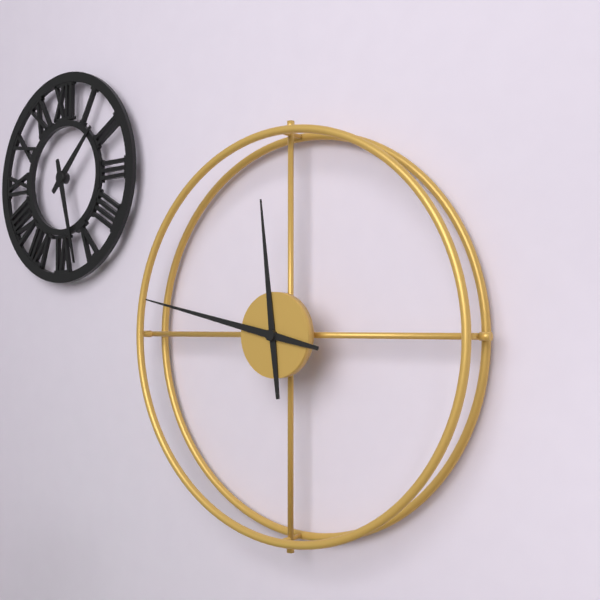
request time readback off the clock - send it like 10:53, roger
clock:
11:47
